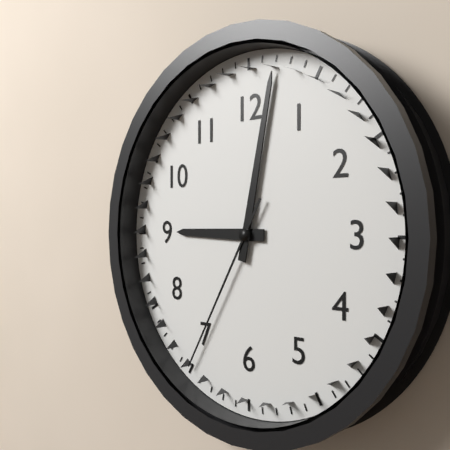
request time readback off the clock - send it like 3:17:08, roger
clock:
9:02:35
